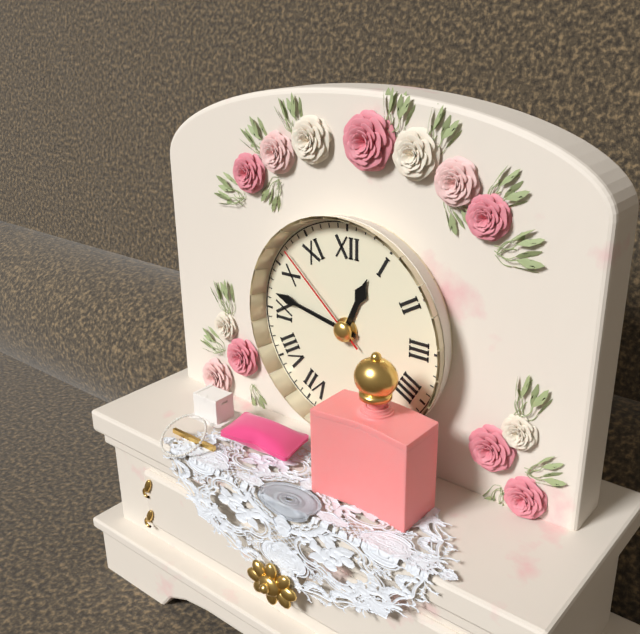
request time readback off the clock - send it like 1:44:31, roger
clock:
12:47:52
